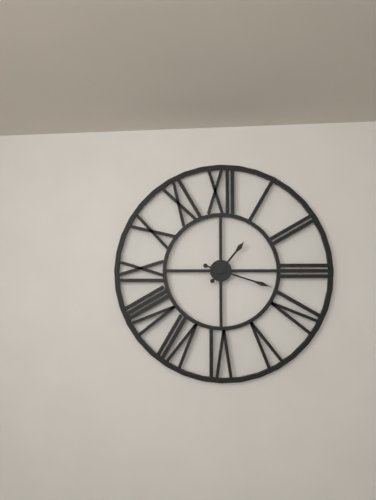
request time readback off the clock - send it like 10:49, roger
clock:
1:18
